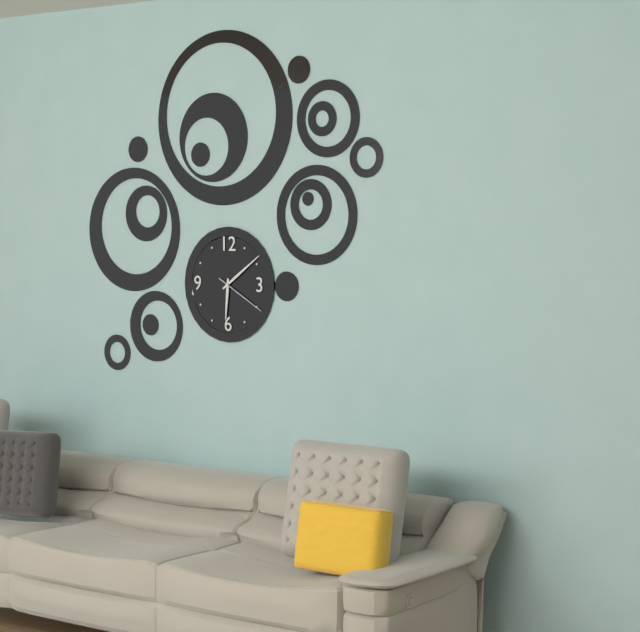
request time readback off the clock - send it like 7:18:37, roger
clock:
6:09:20
